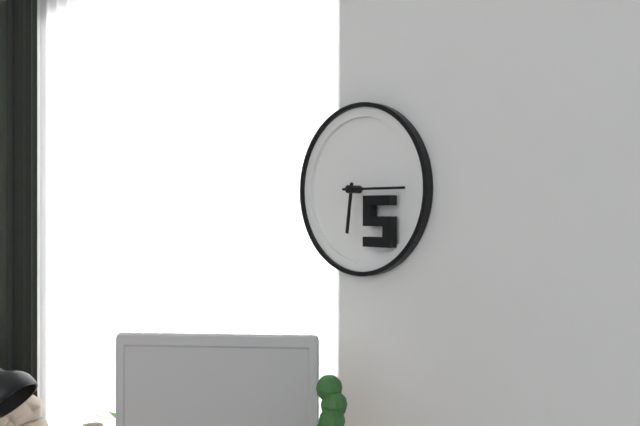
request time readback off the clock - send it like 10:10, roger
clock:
6:15
